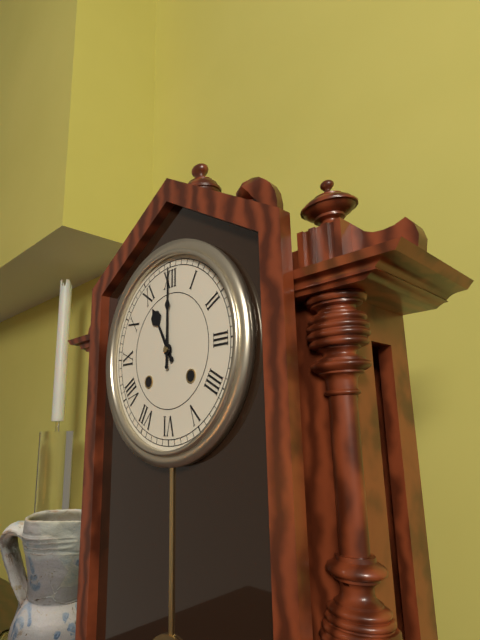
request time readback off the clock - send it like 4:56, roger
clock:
11:00
